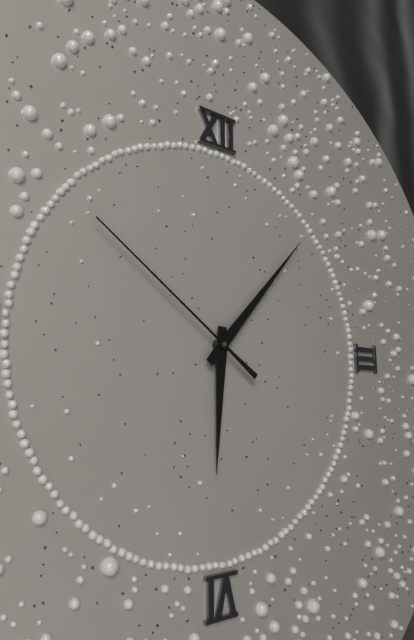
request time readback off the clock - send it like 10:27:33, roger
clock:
6:07:51
